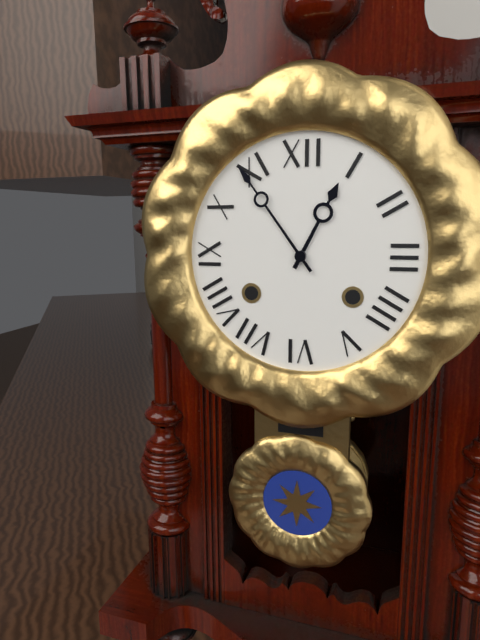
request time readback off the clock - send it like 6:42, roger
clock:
12:54
